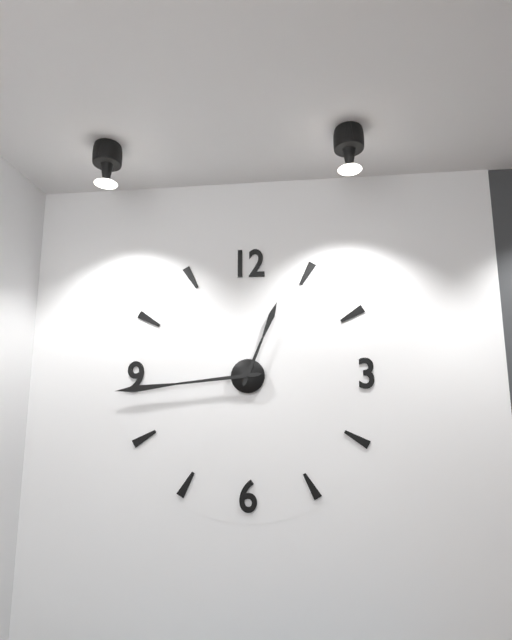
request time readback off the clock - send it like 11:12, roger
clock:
12:44
